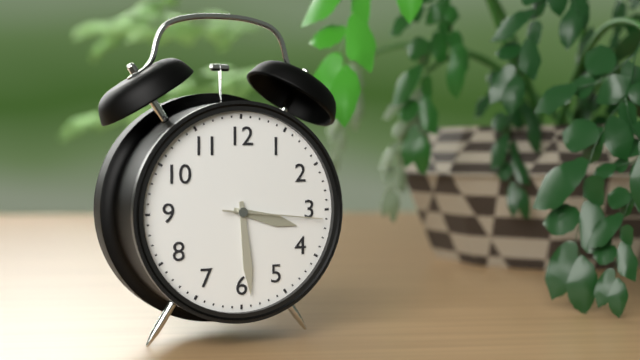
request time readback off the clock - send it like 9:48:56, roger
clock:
3:29:16
